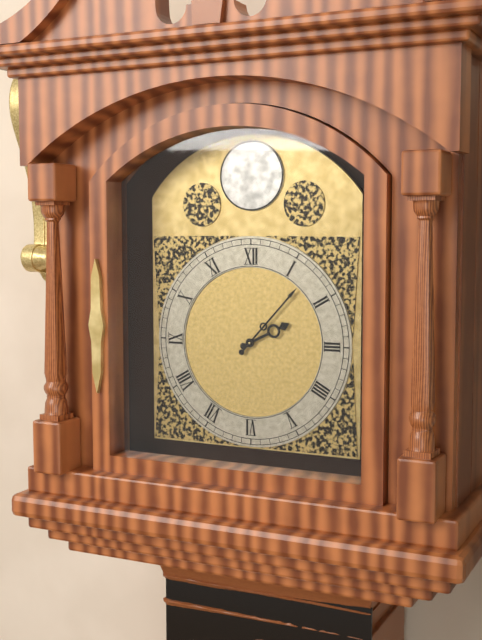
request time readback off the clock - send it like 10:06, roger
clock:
2:07
